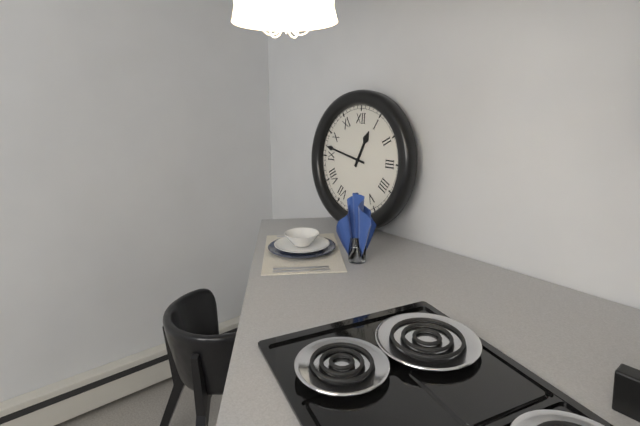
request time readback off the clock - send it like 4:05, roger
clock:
12:47
